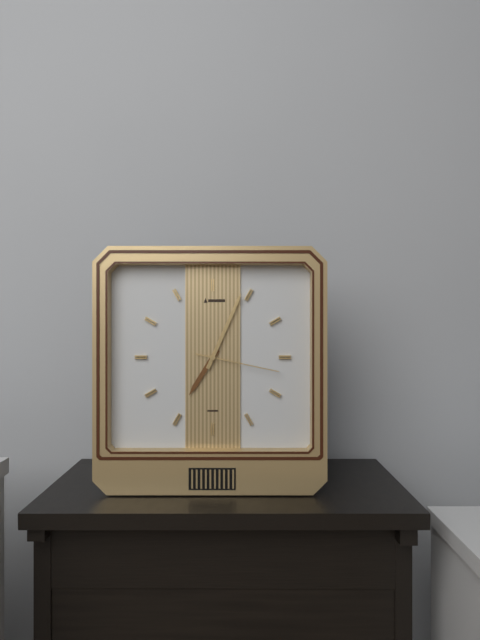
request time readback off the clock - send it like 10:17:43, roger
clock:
7:04:17
